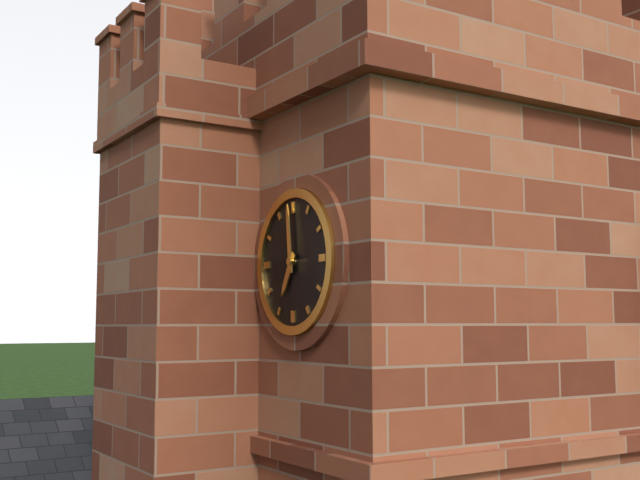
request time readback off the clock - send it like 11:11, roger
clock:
6:59
